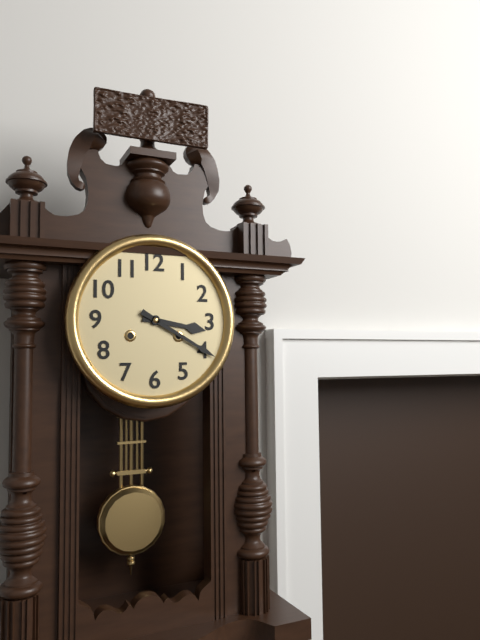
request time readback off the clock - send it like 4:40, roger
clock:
3:20
